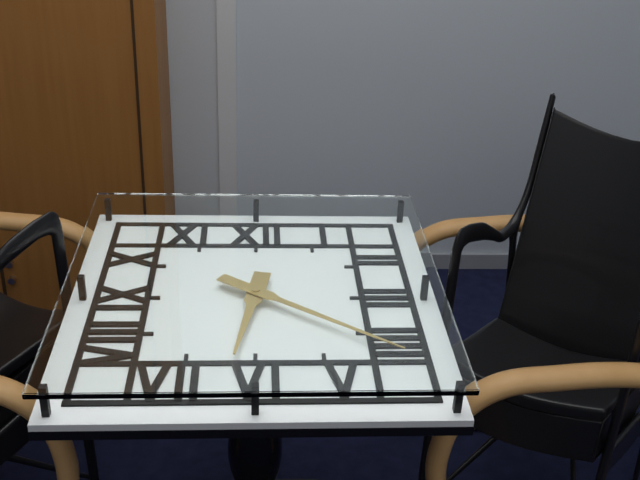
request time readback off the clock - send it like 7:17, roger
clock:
6:21
